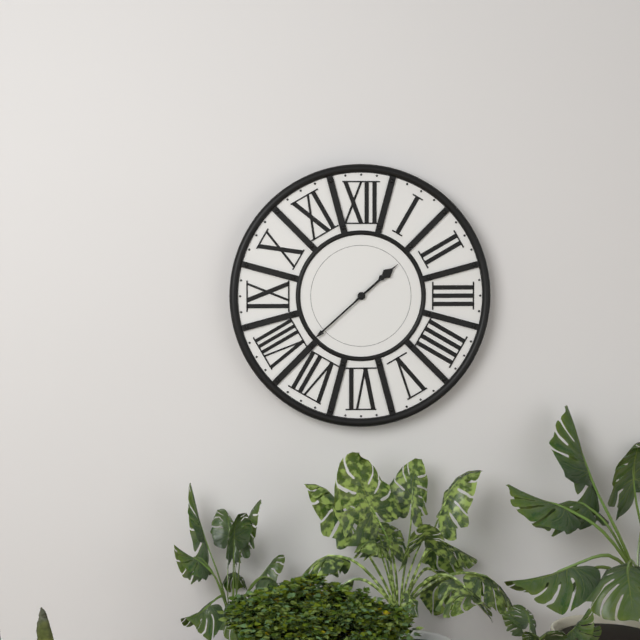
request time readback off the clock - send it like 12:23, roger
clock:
1:38
